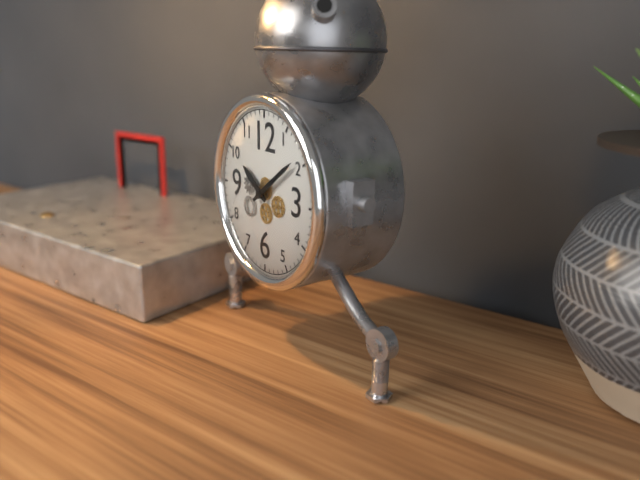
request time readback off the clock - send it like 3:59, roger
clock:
10:09
